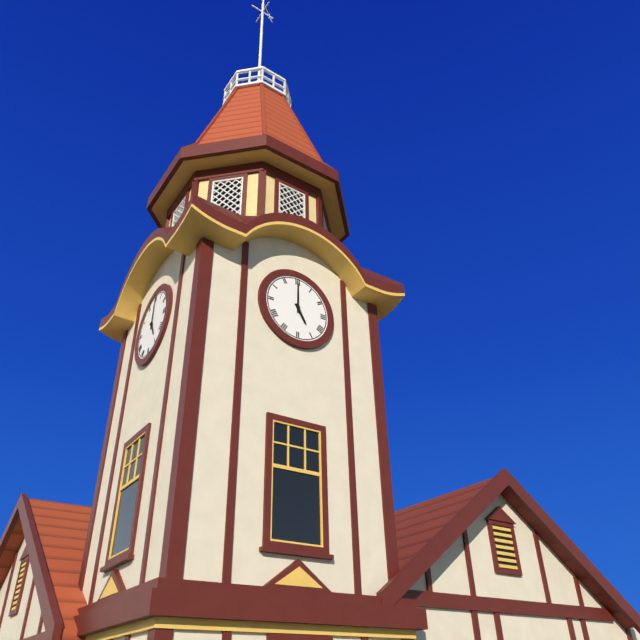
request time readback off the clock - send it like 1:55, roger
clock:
5:00
